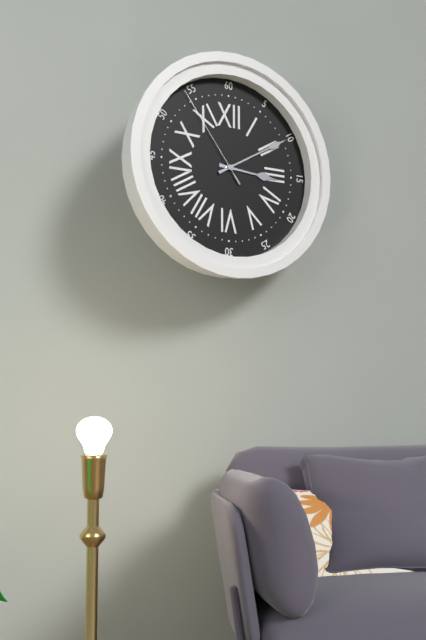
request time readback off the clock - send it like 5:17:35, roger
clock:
3:10:54
